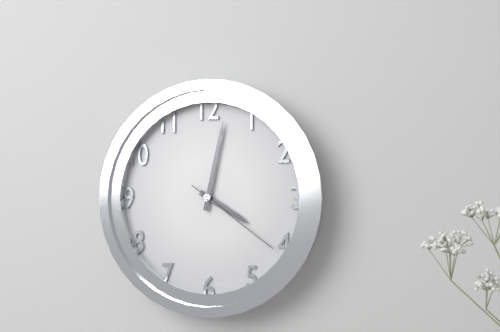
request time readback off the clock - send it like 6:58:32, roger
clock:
4:02:21
